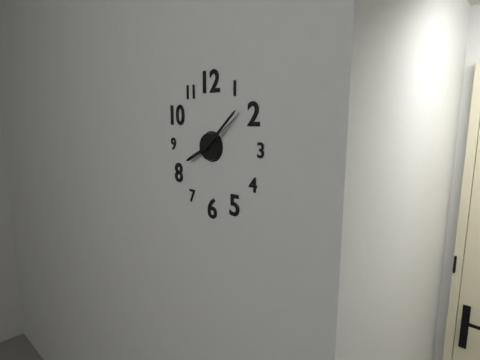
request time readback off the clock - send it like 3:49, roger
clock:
8:08
